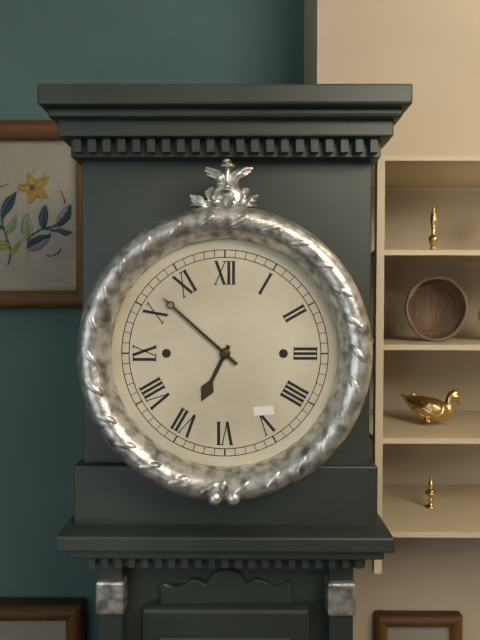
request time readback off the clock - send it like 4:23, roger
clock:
6:52
